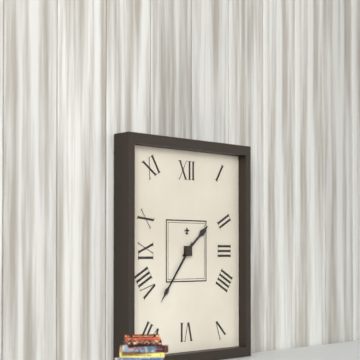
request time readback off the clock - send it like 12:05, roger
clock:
1:36
